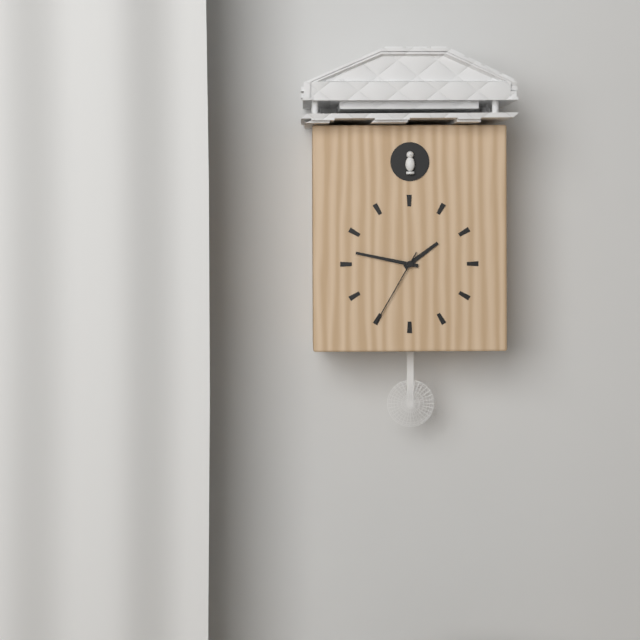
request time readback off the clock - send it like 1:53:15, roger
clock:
1:47:35
